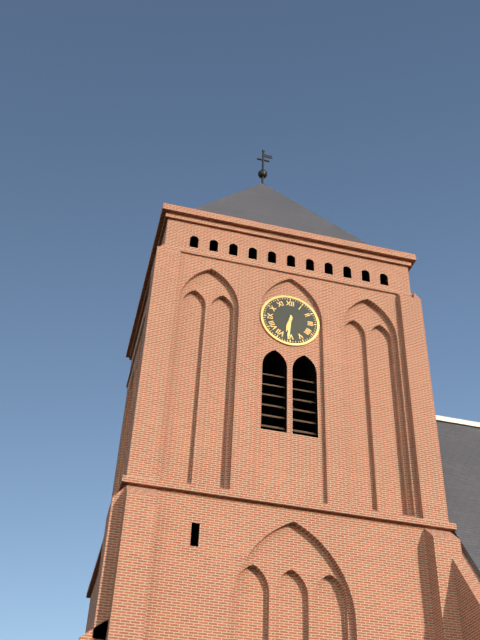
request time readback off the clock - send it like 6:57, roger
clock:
6:31
